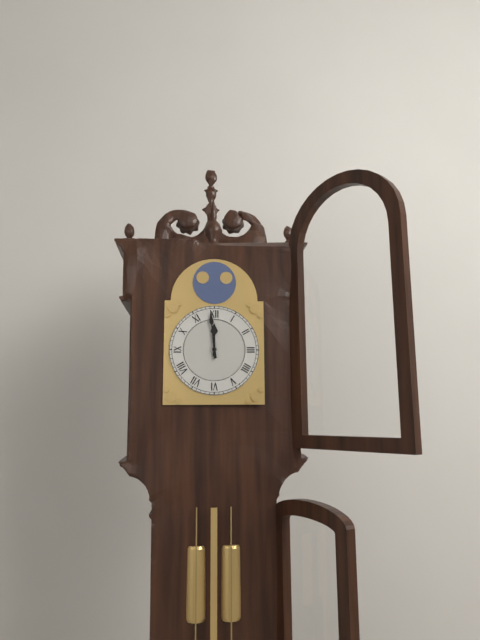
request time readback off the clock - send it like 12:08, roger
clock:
11:59
